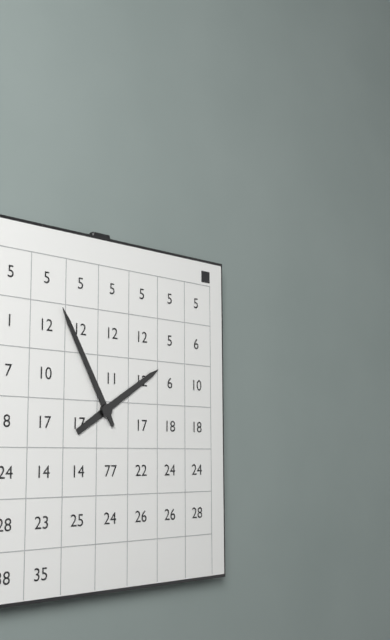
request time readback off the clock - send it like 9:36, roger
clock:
1:55
